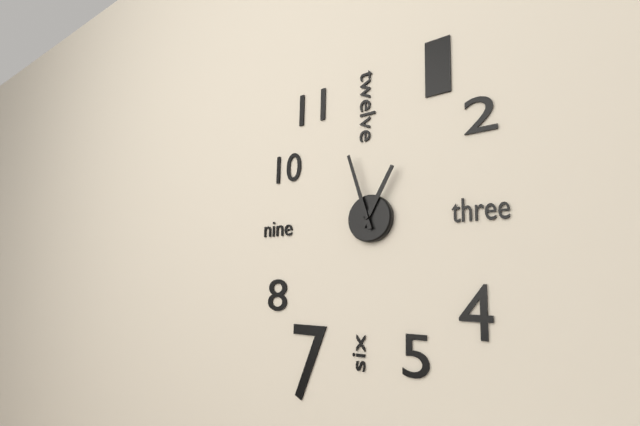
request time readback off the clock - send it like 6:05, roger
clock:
12:57
